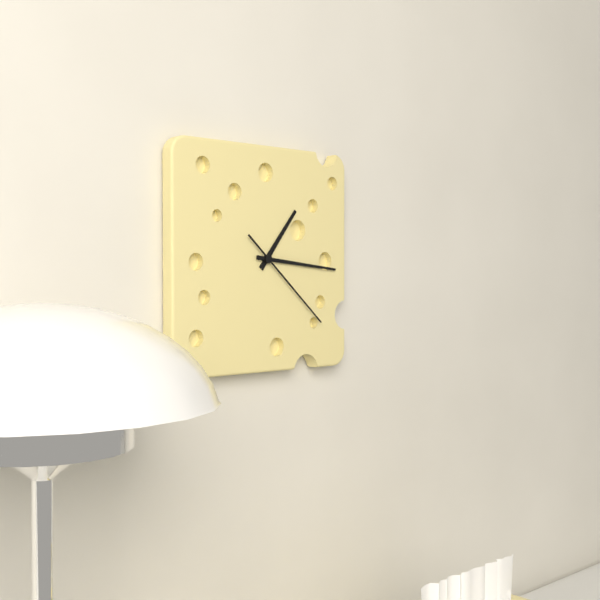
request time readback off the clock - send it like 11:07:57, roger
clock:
1:16:22
